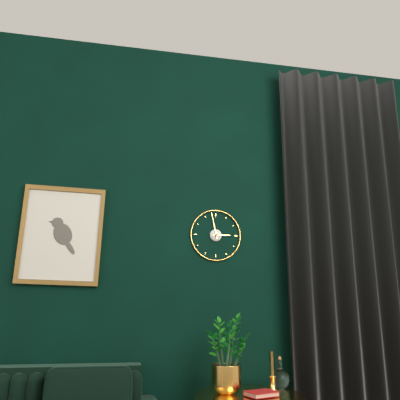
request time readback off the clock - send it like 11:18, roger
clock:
2:58
